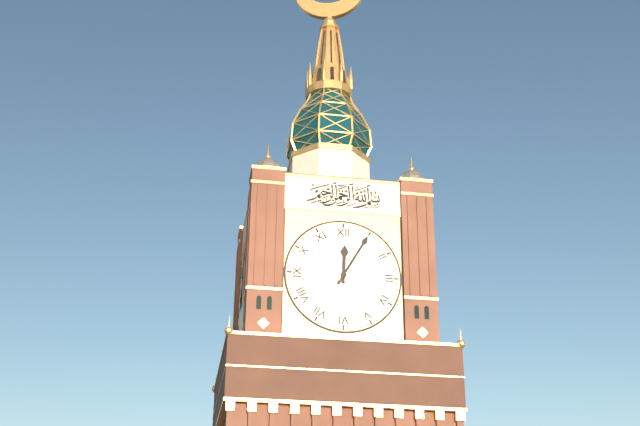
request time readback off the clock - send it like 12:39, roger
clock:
12:05
